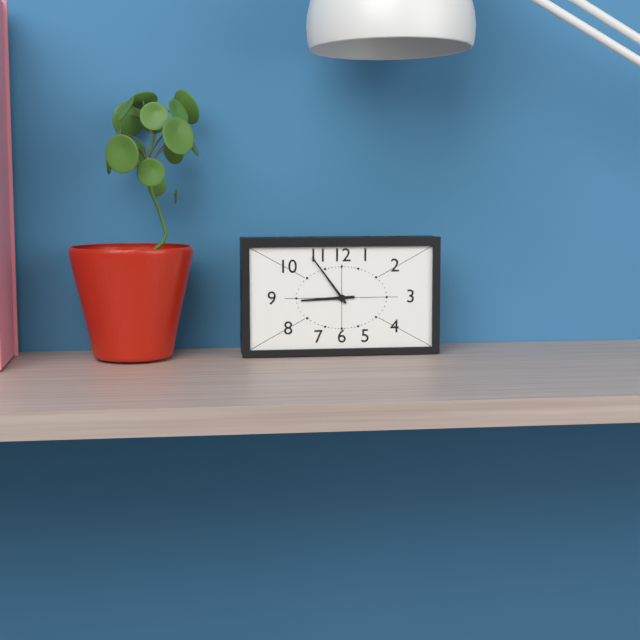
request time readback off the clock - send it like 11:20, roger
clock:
8:54
